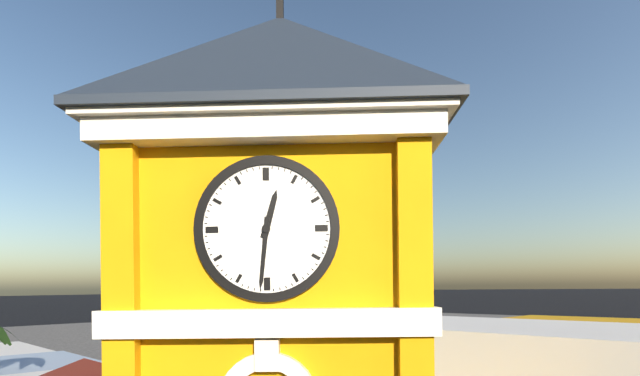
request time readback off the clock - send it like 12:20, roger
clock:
12:31
